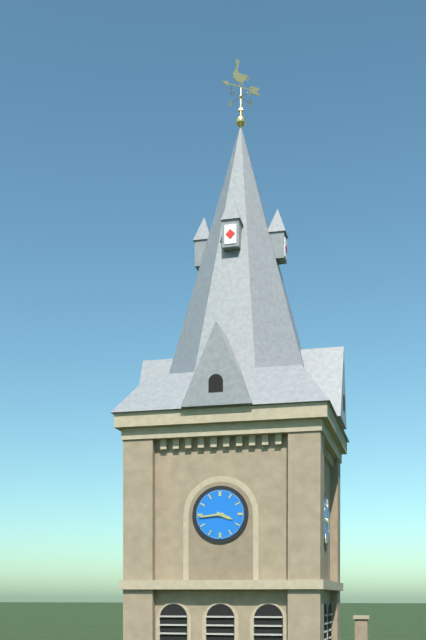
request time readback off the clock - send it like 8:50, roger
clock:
3:44
